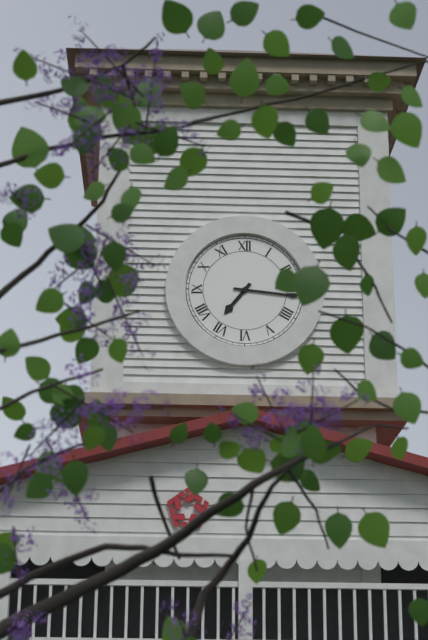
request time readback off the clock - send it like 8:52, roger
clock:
7:16
